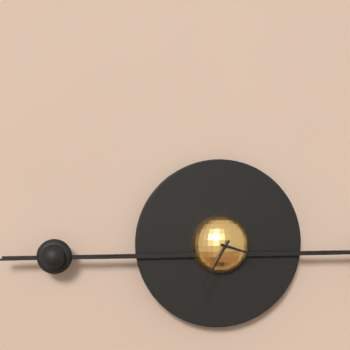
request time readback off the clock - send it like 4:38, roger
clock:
3:35
